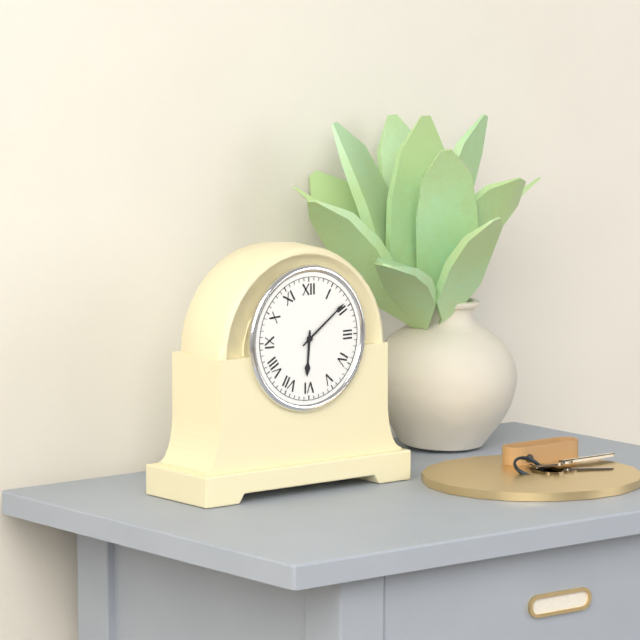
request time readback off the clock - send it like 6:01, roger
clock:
6:09
